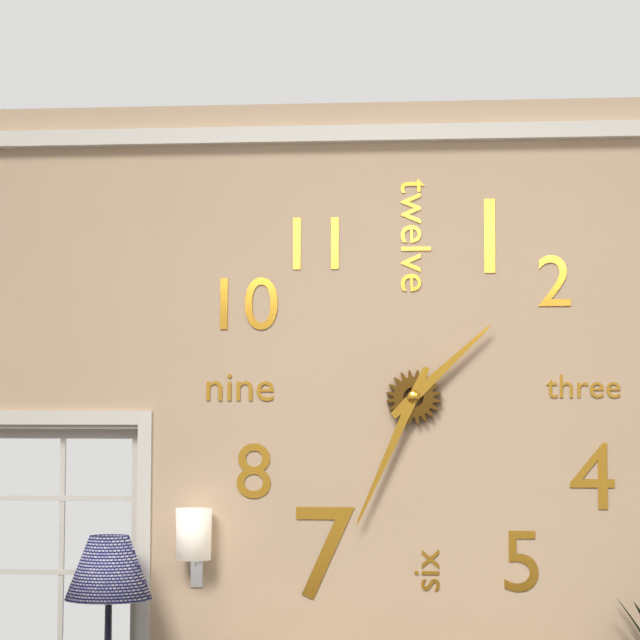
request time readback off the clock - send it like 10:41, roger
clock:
1:34
